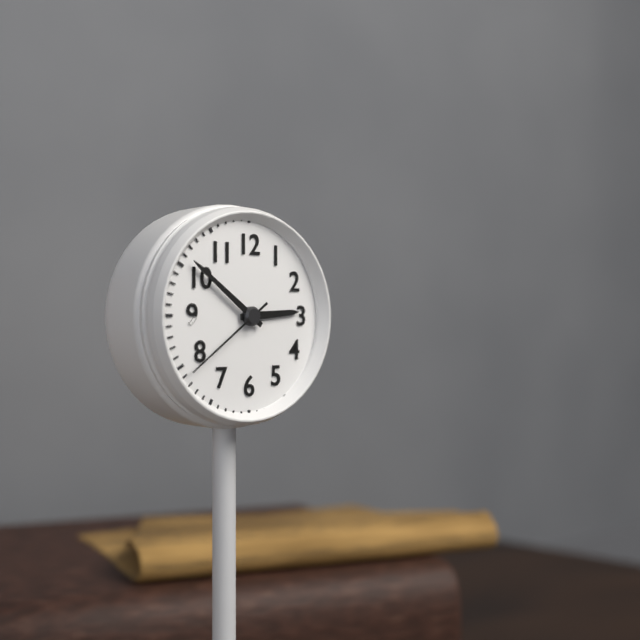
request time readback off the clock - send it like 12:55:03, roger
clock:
2:51:39
